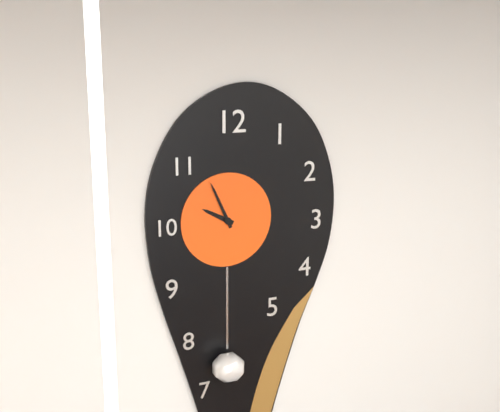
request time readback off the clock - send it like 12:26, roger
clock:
9:56
